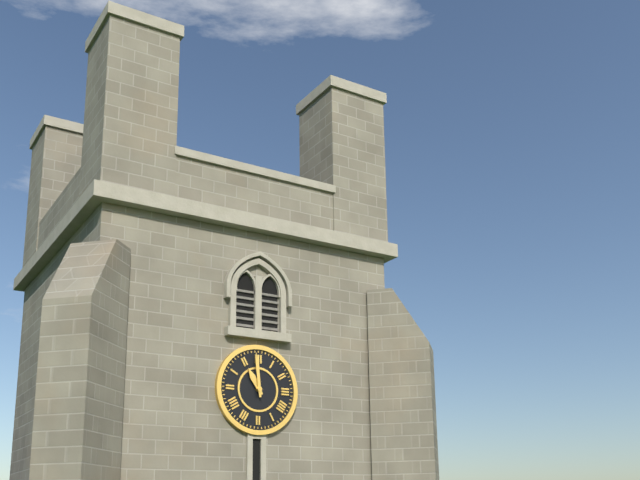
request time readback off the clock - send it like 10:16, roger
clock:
10:59
